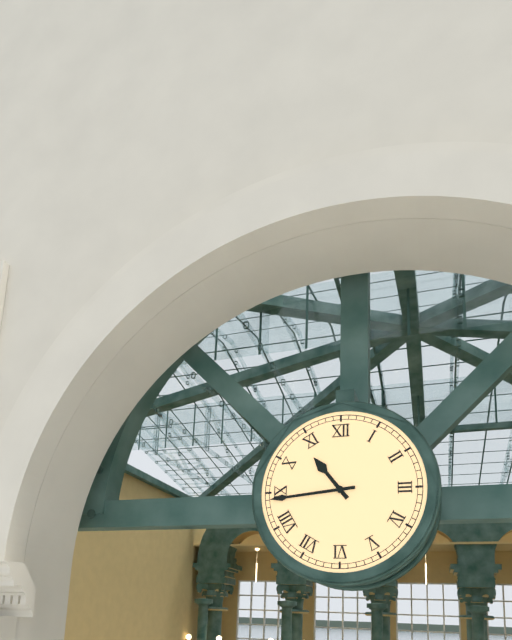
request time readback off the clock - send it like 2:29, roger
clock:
10:44
